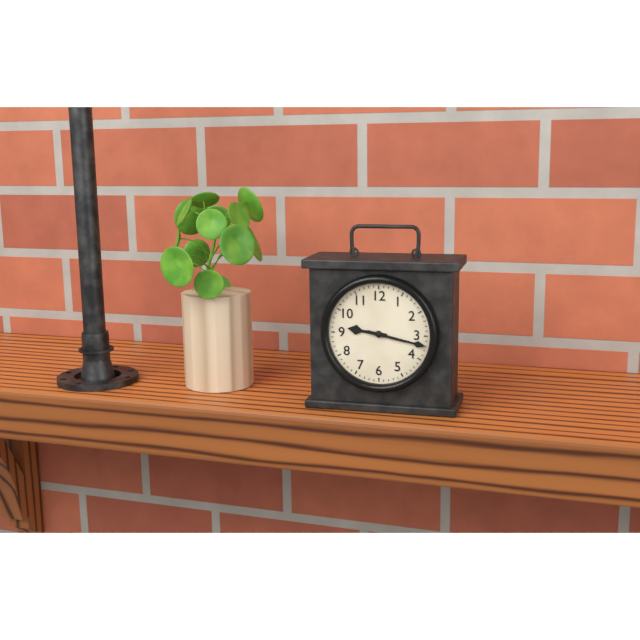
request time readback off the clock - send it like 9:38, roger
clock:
9:17
